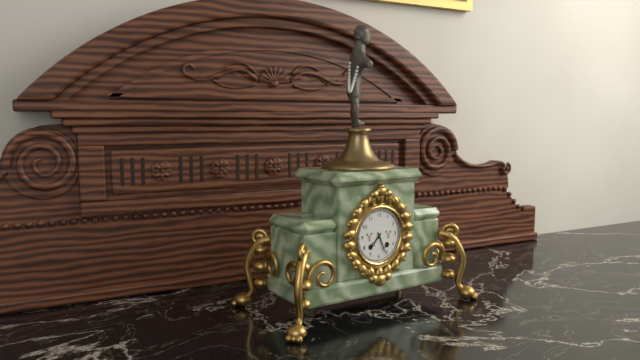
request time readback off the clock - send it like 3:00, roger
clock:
7:26
